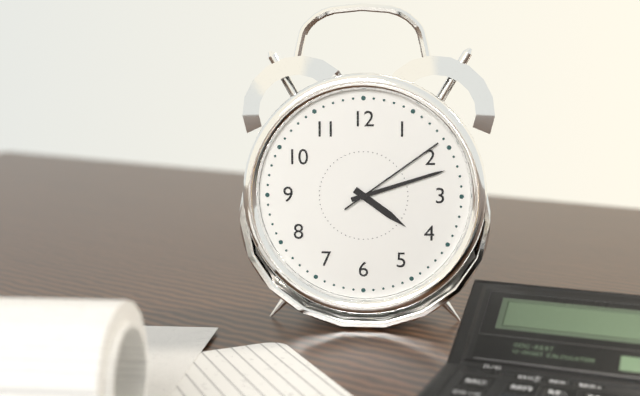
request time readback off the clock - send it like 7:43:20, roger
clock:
4:12:09
